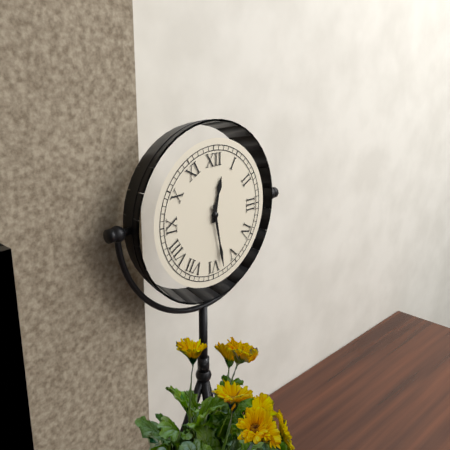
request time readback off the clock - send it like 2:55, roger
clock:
12:28
